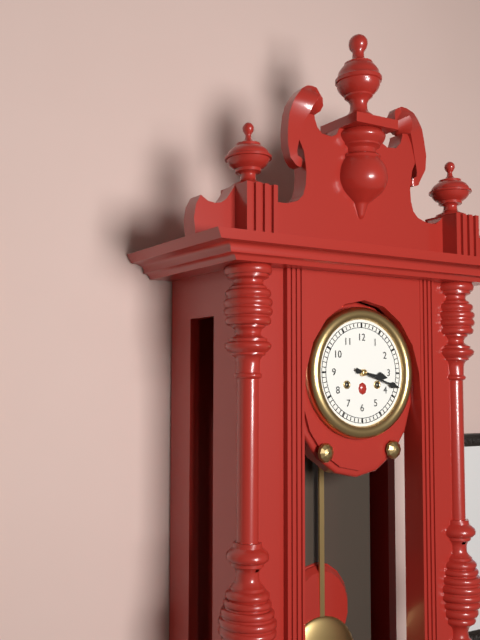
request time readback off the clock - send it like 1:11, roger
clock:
3:18
